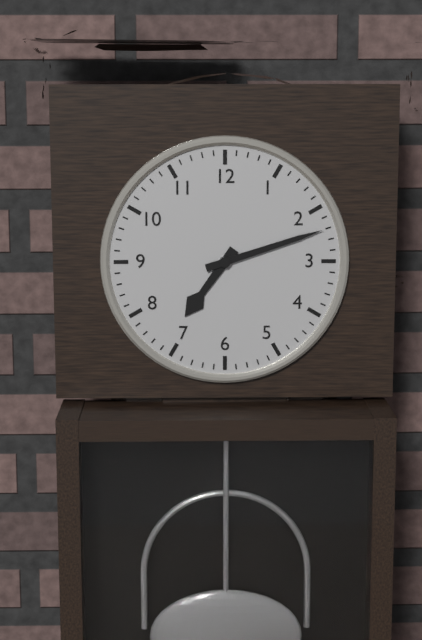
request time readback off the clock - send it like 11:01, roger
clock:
7:12
